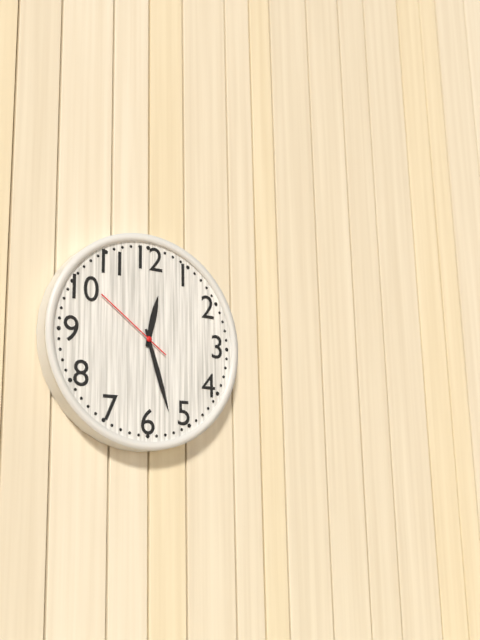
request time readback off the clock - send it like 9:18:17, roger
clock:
12:27:51
